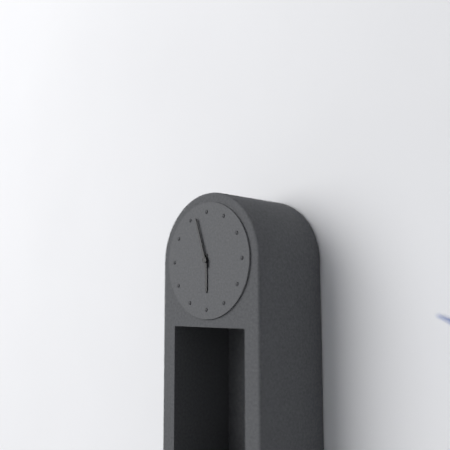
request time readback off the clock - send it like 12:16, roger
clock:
5:57
